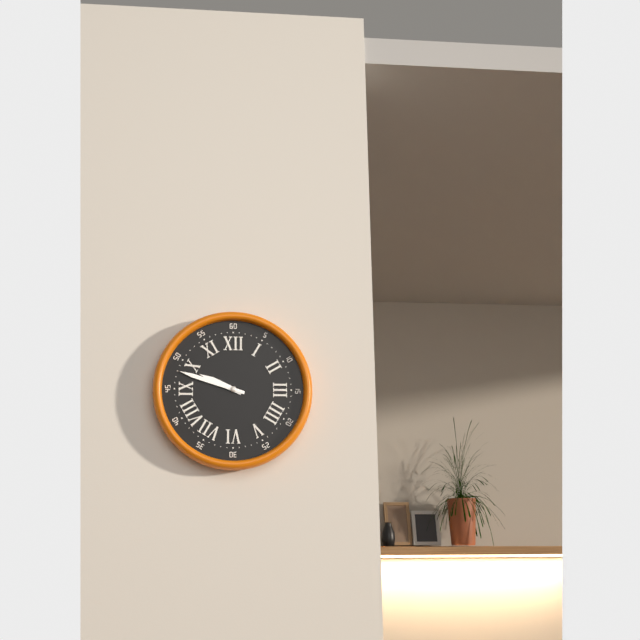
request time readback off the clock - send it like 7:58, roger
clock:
9:48
